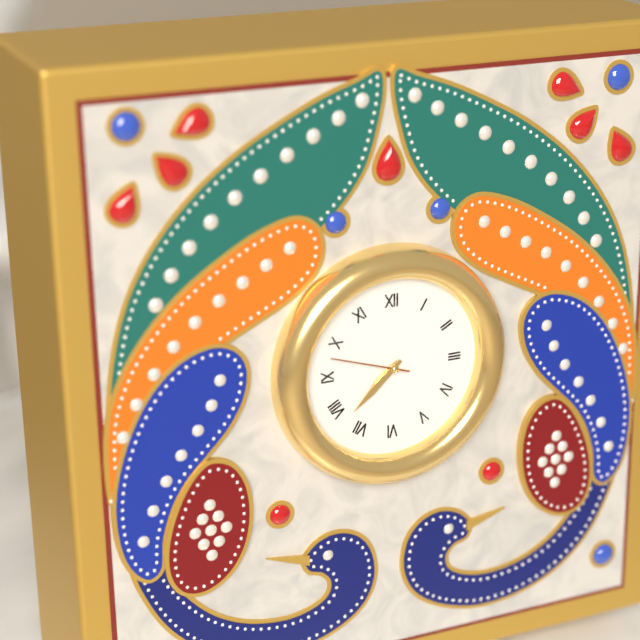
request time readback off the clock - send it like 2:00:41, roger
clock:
7:38:48
